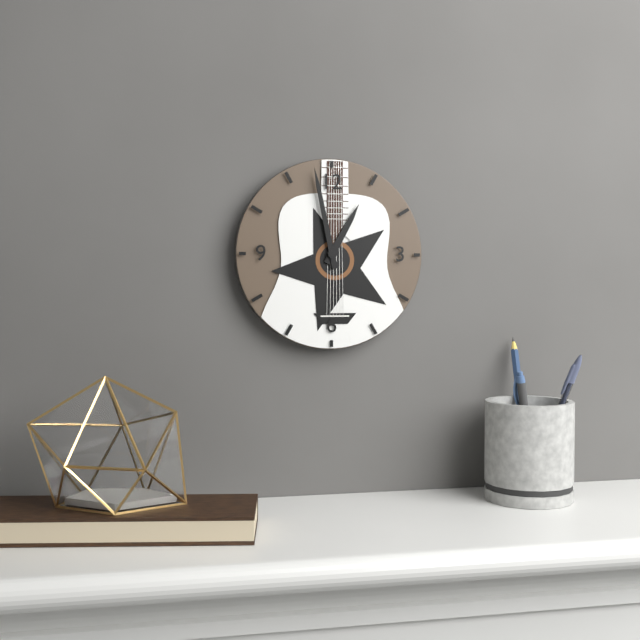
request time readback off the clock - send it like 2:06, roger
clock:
12:58
